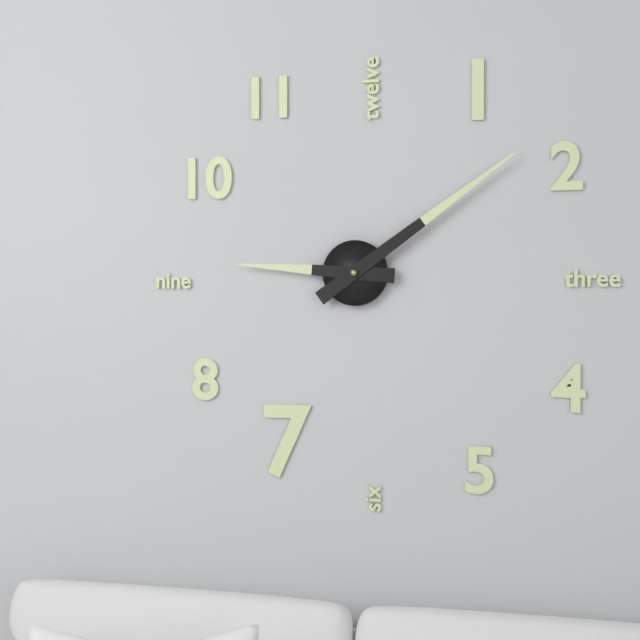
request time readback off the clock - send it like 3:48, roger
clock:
9:09
